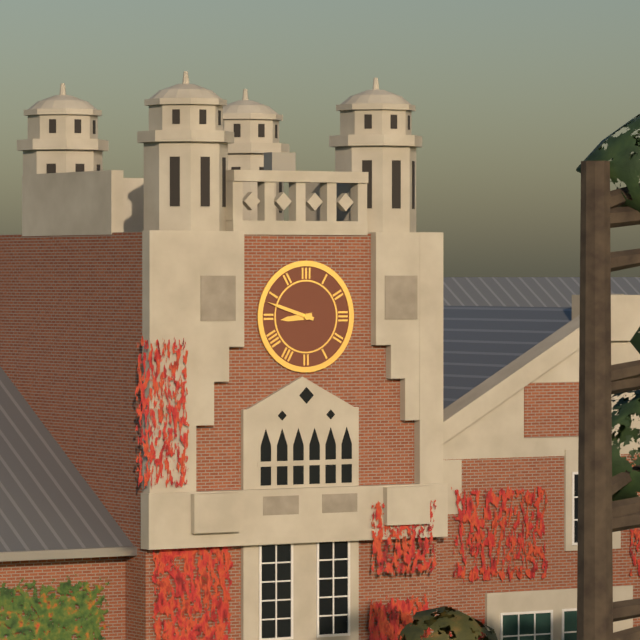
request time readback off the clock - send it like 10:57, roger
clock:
8:48
